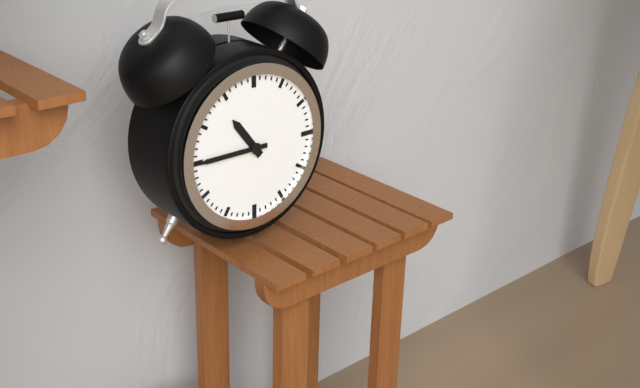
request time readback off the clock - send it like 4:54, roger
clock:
10:45
